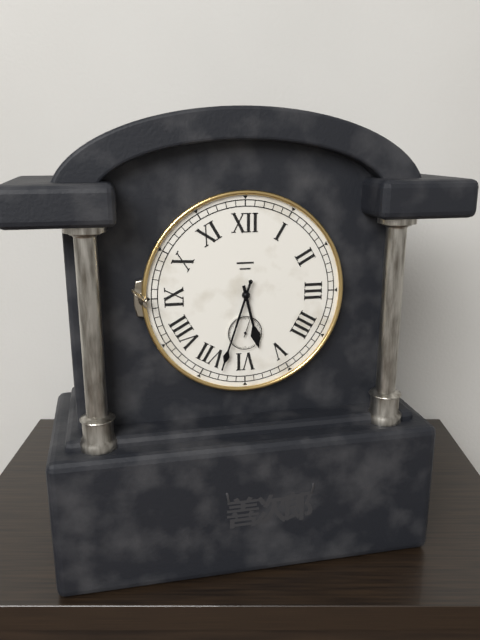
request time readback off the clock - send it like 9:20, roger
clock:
5:33
